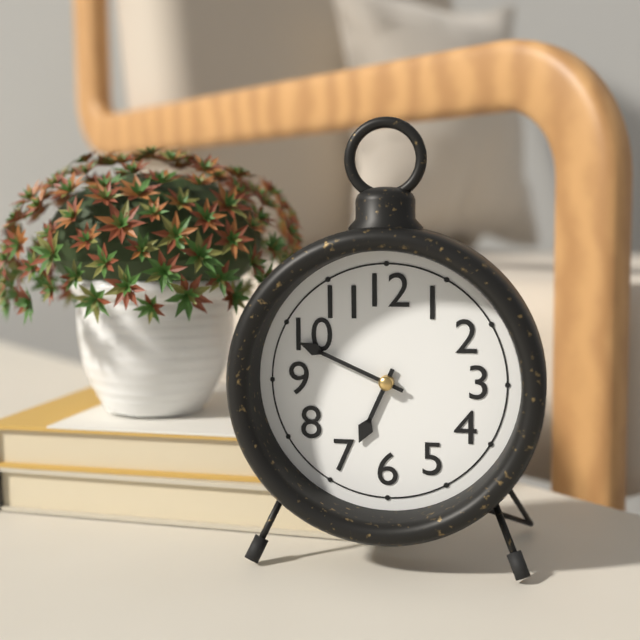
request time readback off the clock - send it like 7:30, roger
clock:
6:49
